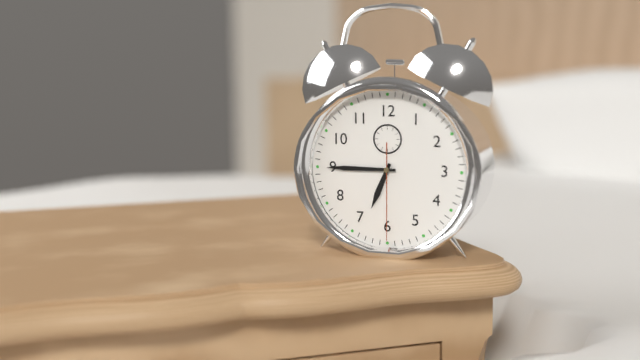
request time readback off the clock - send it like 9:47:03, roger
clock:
6:45:30
